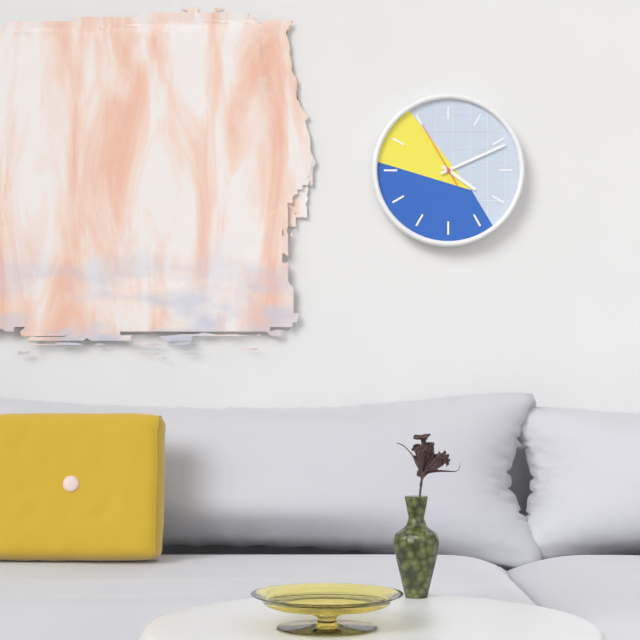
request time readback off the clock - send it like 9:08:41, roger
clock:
4:11:55
